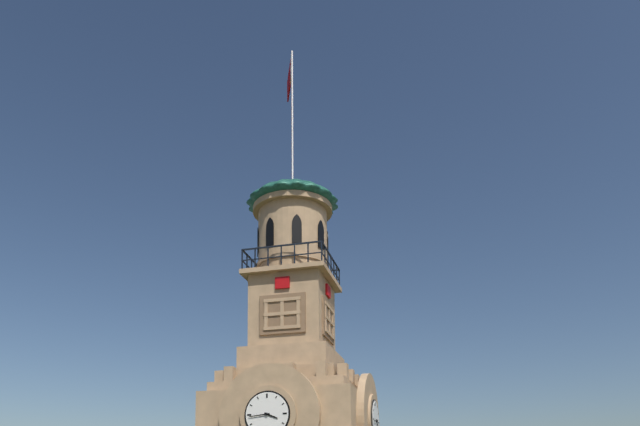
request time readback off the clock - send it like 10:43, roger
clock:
3:44
